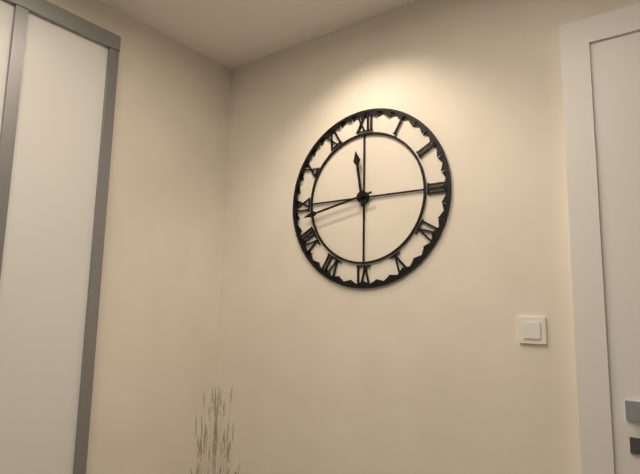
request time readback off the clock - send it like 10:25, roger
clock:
11:43
